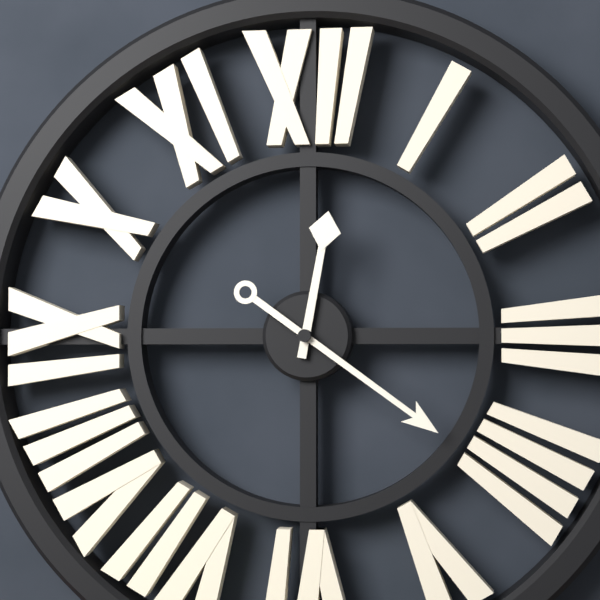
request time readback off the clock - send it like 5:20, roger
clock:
12:21
